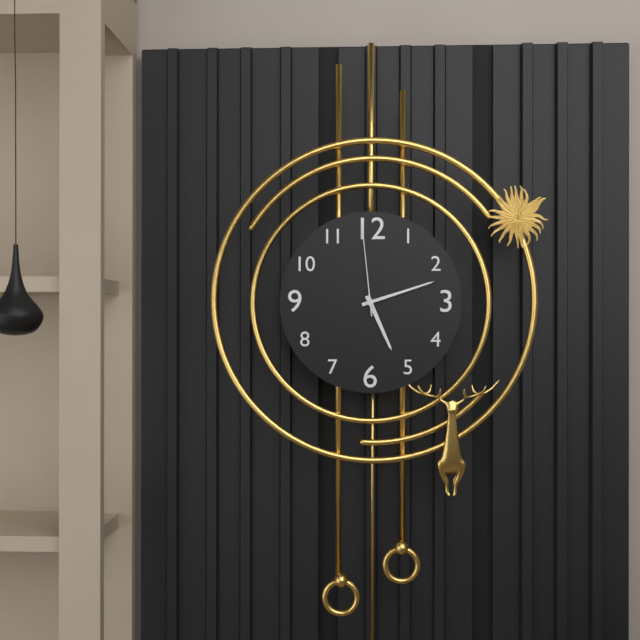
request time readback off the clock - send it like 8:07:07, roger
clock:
5:12:59
